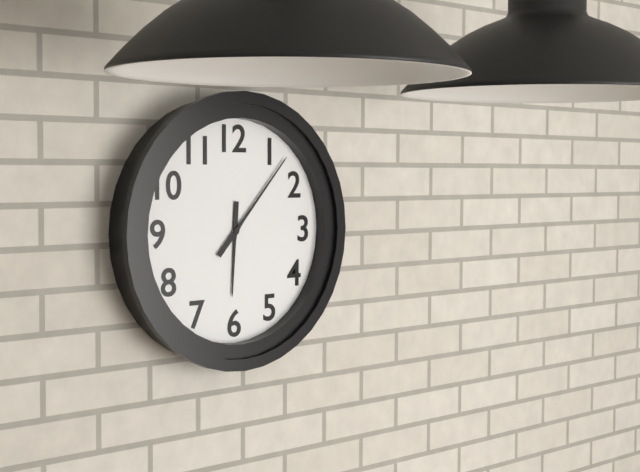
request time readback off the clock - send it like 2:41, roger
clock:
6:07
